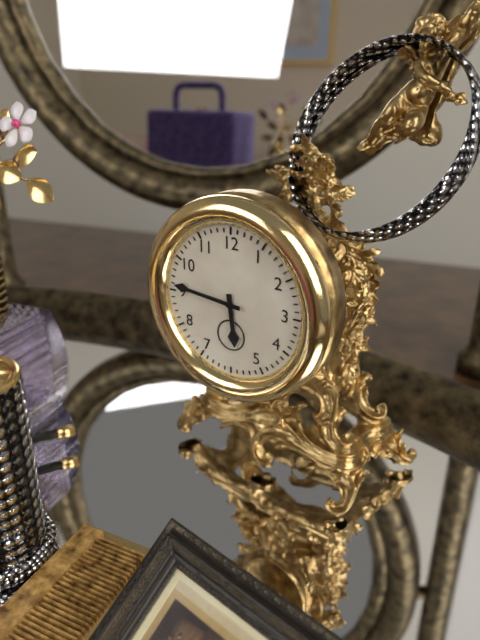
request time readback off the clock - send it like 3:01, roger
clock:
5:46
